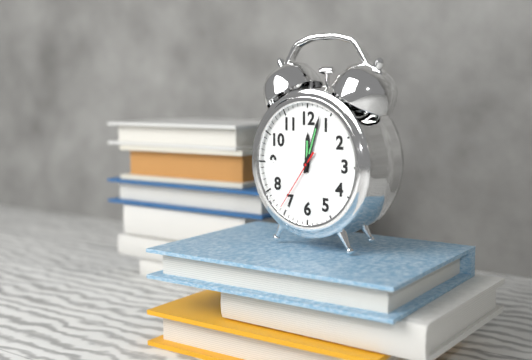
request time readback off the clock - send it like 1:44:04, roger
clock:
12:03:36
